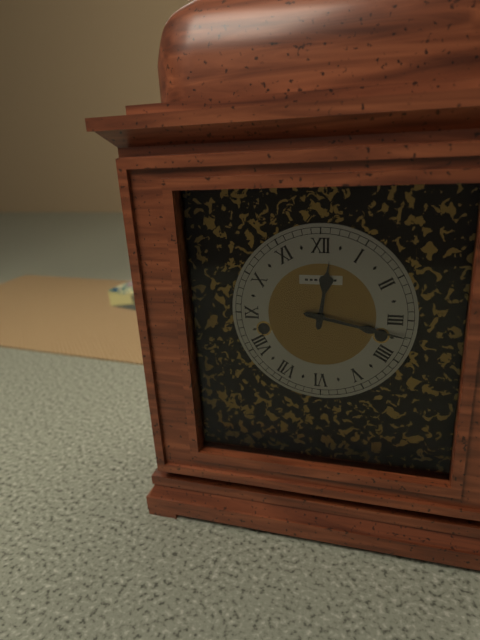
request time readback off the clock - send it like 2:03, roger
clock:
12:17
